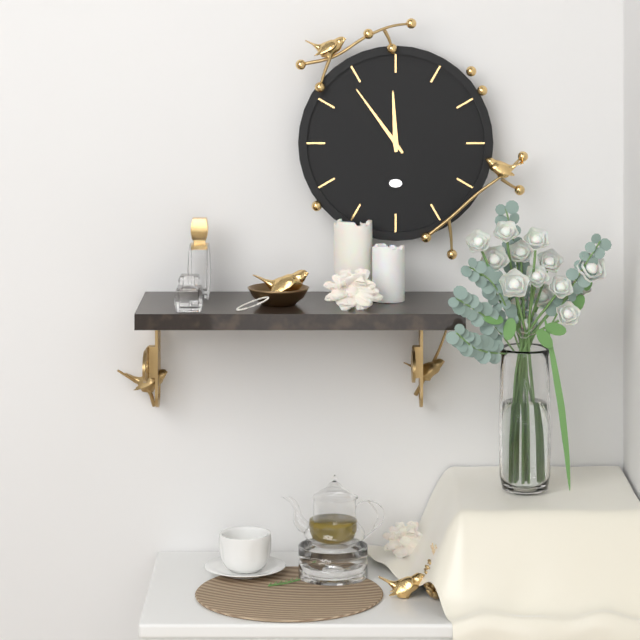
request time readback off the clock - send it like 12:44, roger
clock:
11:54
